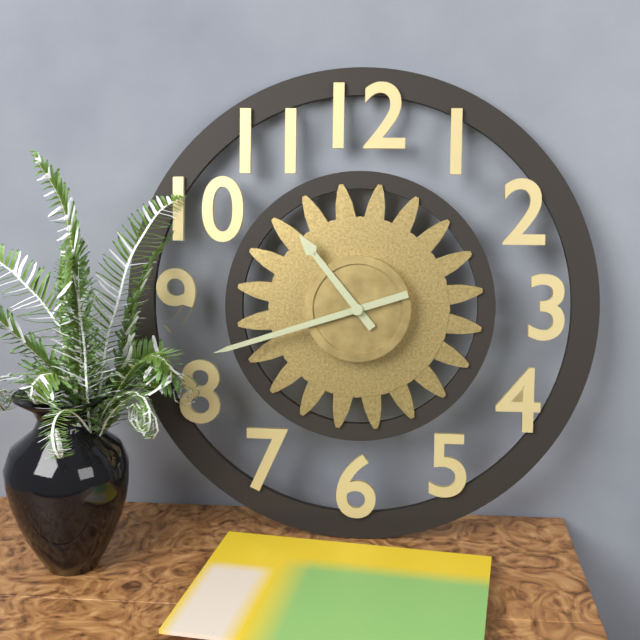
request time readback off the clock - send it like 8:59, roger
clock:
10:42
